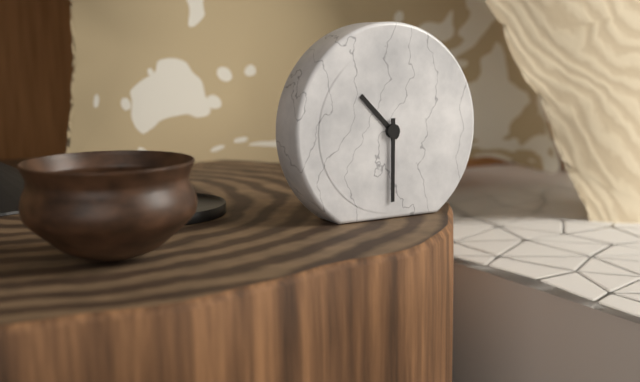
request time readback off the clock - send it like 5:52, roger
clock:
10:30
